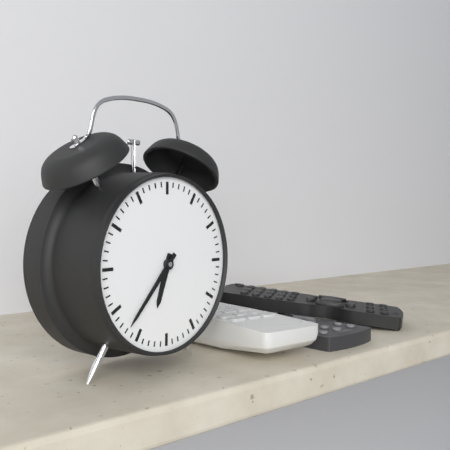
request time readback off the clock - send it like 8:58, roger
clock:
6:37
